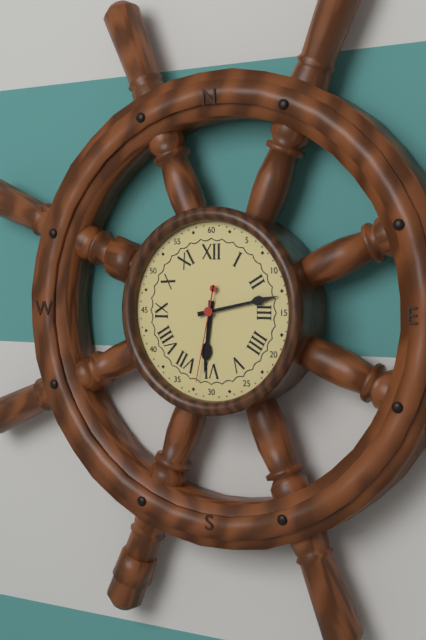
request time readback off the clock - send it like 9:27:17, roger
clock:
6:13:32
